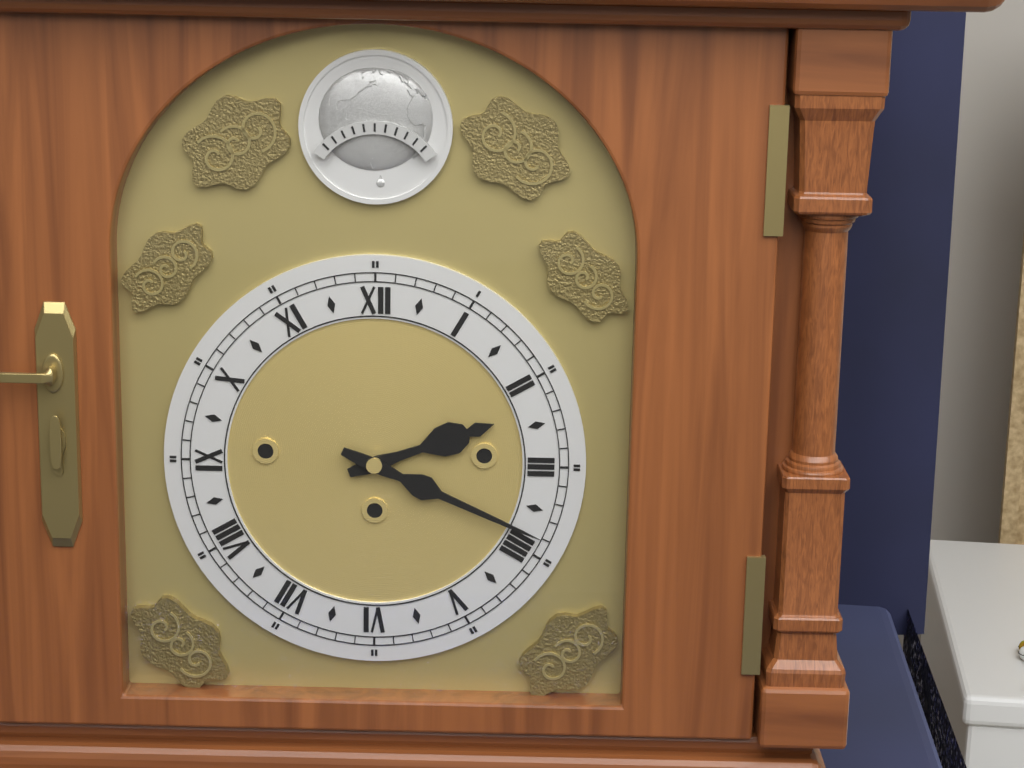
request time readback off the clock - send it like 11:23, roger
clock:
2:19
